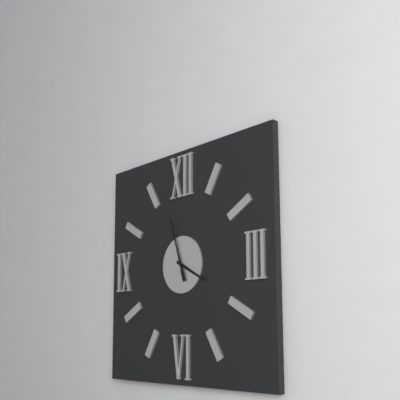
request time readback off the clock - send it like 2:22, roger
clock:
3:57
